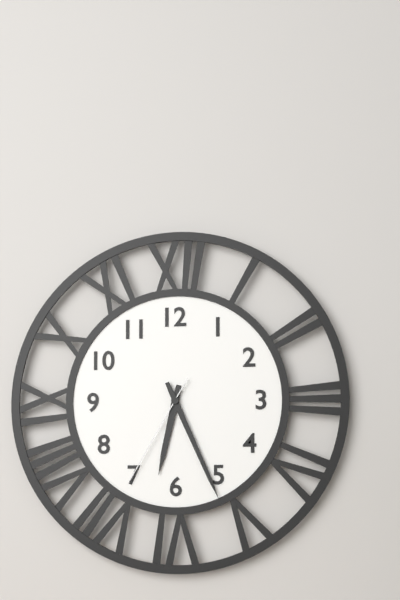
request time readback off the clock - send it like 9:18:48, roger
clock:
6:26:35
